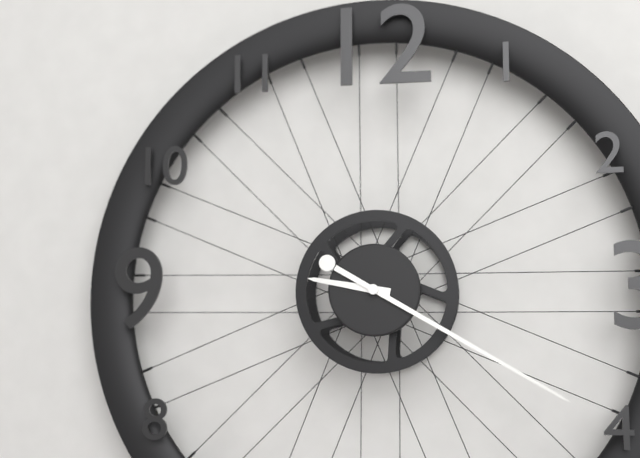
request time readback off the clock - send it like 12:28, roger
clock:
9:20
